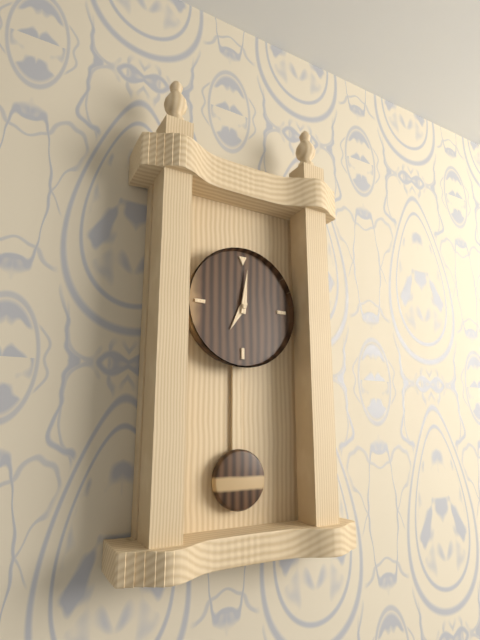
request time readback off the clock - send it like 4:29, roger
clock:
7:01
